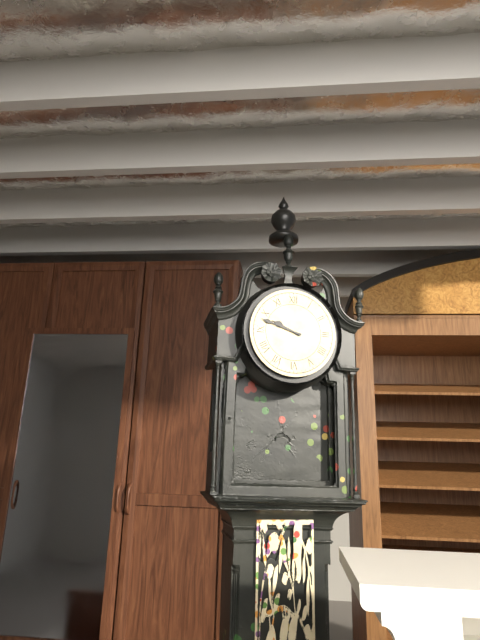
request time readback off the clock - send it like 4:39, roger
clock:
9:48
